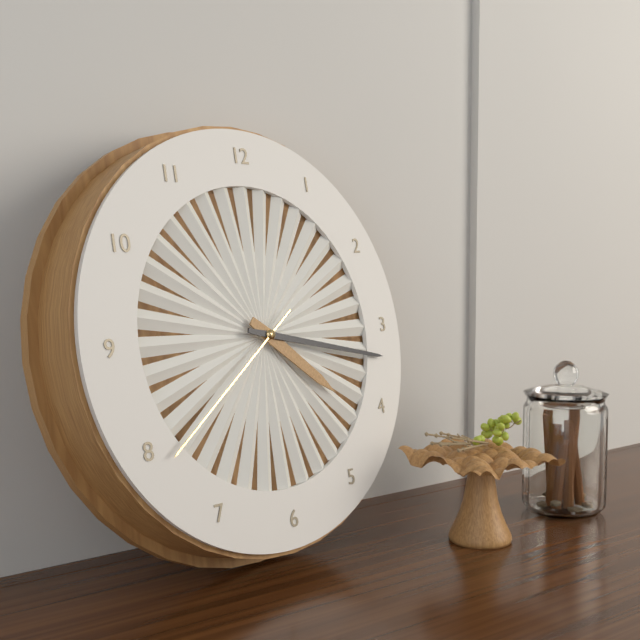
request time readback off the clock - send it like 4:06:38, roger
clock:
4:17:39
